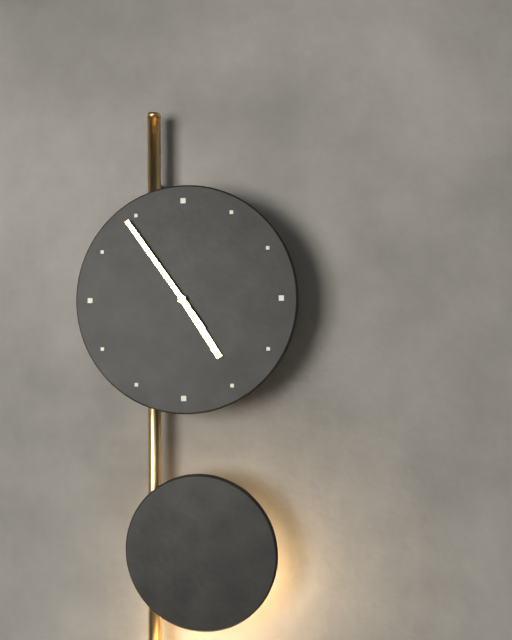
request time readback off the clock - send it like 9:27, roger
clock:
4:54
